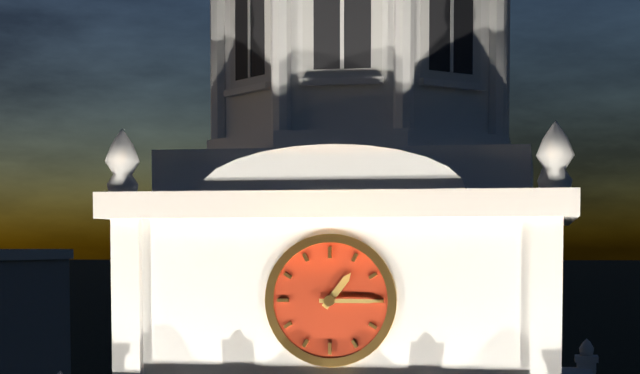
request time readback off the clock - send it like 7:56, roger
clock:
1:15
